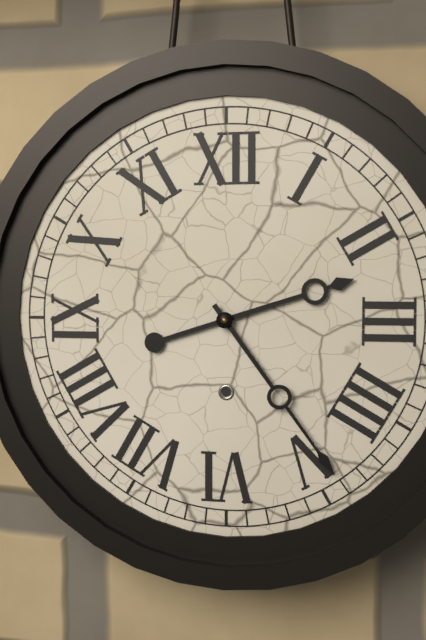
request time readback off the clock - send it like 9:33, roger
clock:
2:24
